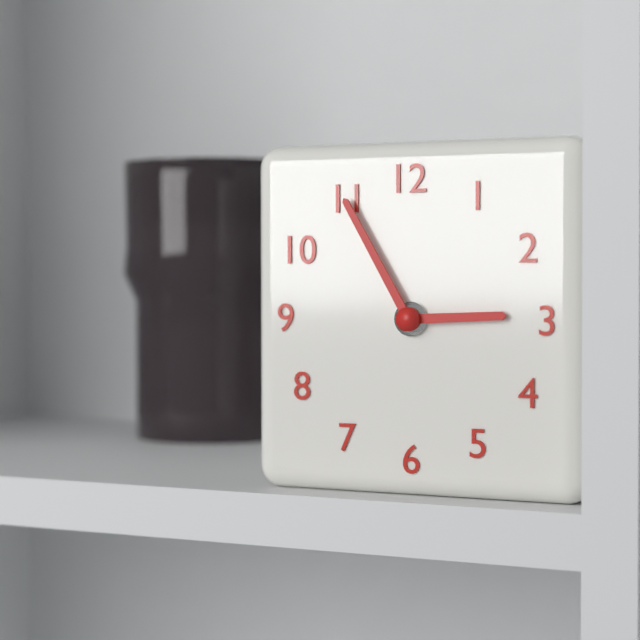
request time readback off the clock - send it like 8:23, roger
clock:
2:55
